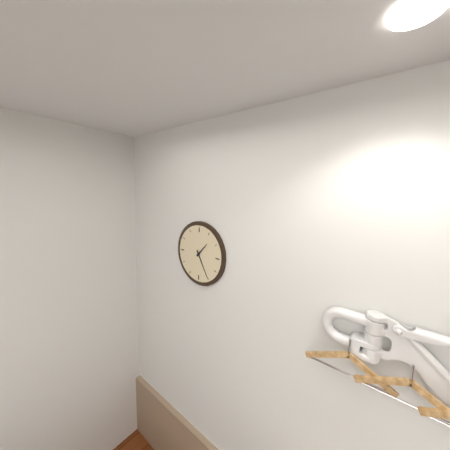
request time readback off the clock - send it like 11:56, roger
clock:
1:25
